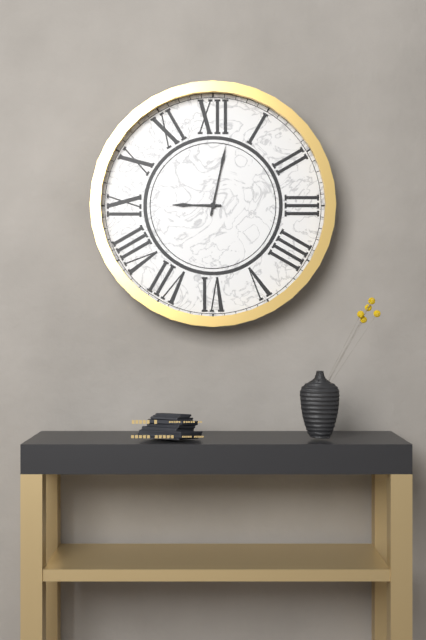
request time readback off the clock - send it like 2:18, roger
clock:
9:02
